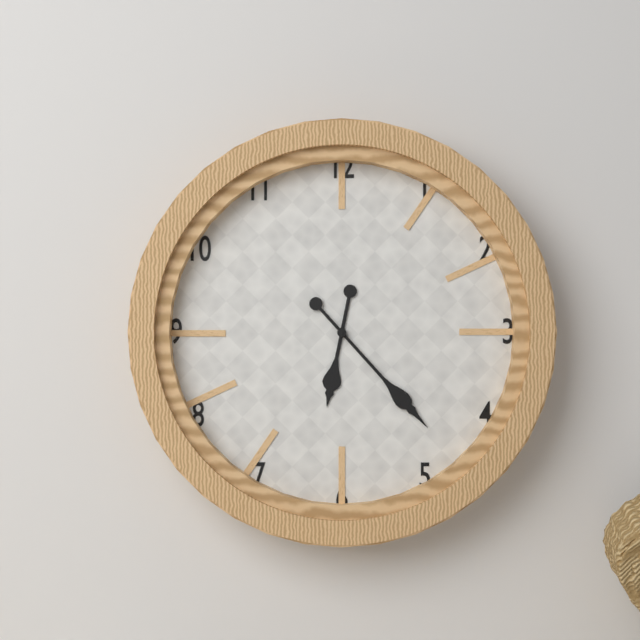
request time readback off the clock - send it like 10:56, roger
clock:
6:23
